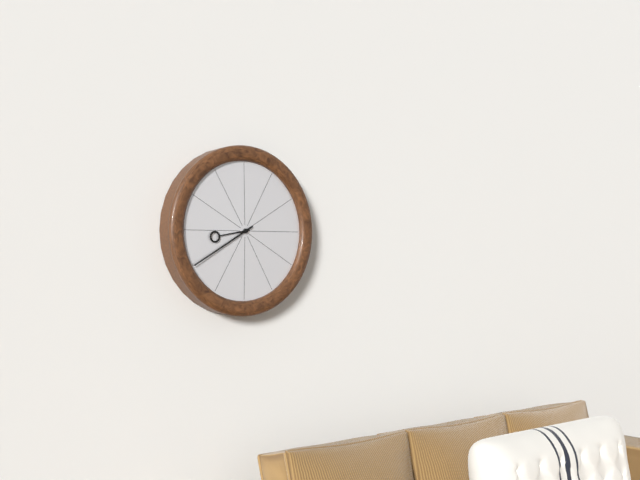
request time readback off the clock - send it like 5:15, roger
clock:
8:40
